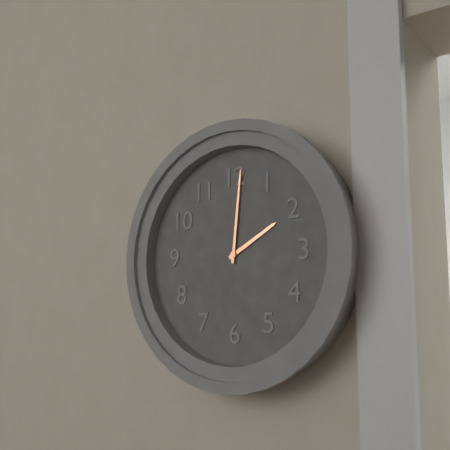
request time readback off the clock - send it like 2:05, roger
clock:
2:01
